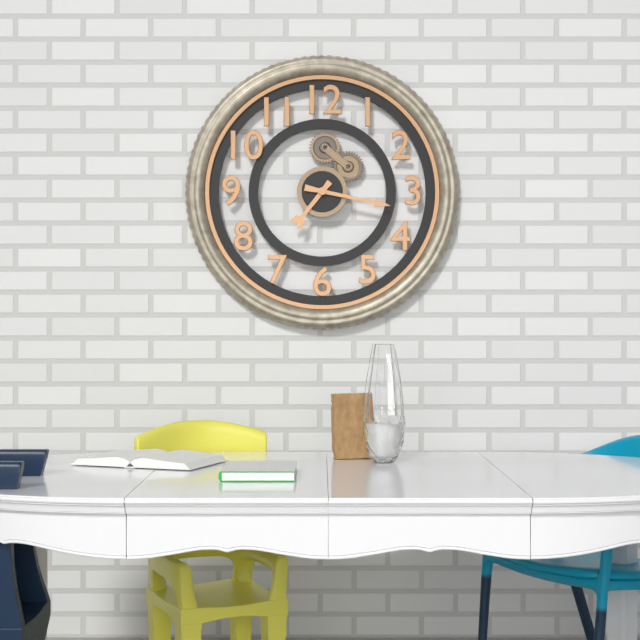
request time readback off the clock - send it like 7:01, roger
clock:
7:17
